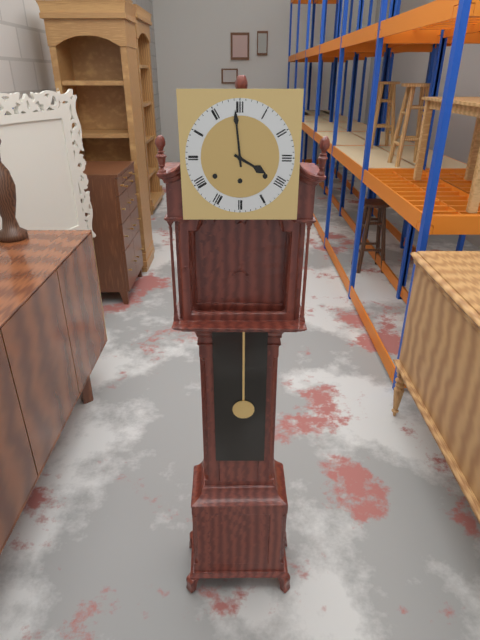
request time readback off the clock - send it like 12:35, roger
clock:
3:59
